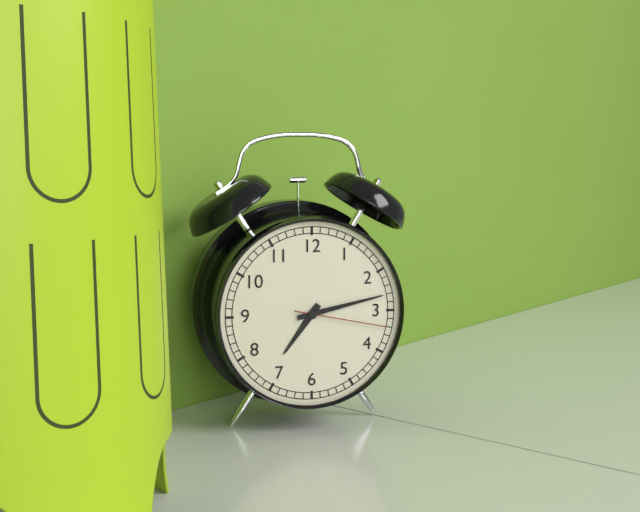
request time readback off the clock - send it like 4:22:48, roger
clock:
7:13:17
